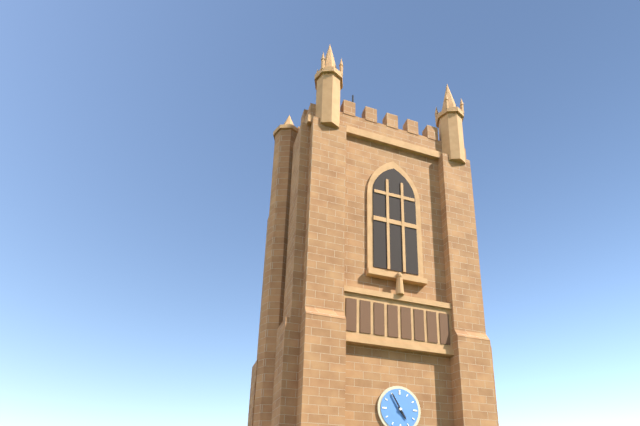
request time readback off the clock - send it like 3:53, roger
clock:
4:55
